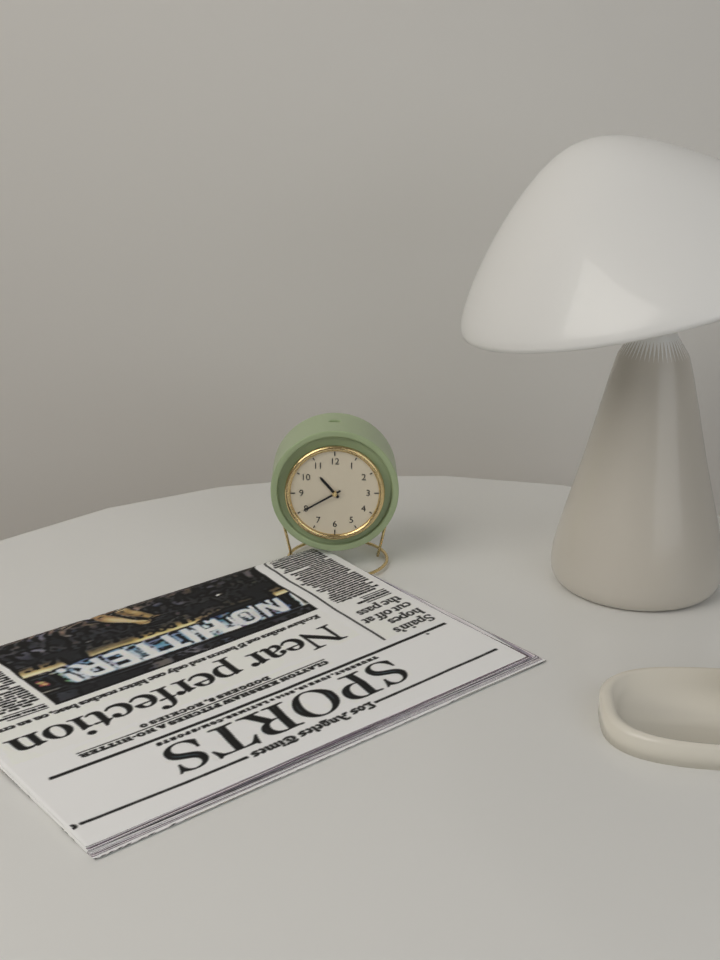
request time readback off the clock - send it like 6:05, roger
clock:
10:40
